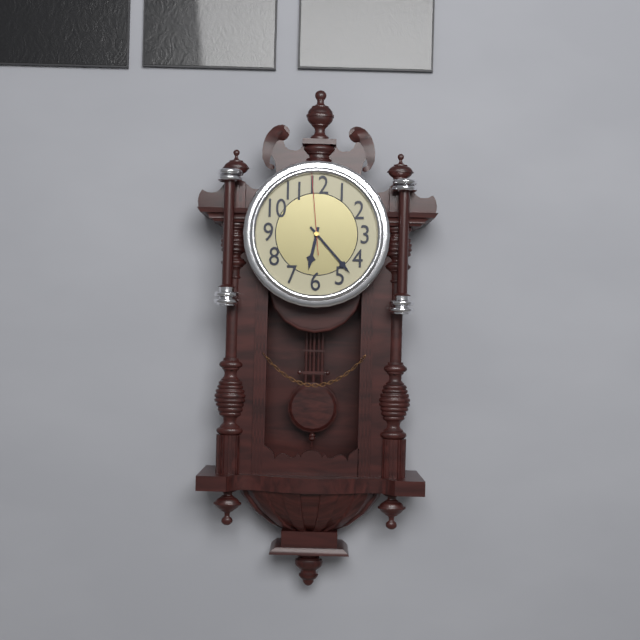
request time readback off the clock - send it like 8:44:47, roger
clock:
6:23:59
